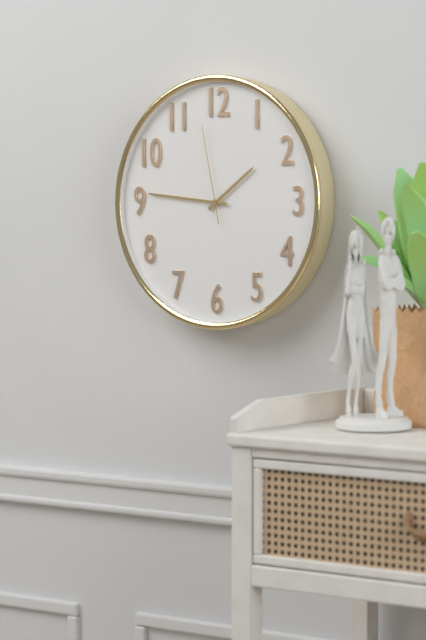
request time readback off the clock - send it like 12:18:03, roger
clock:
1:46:58
